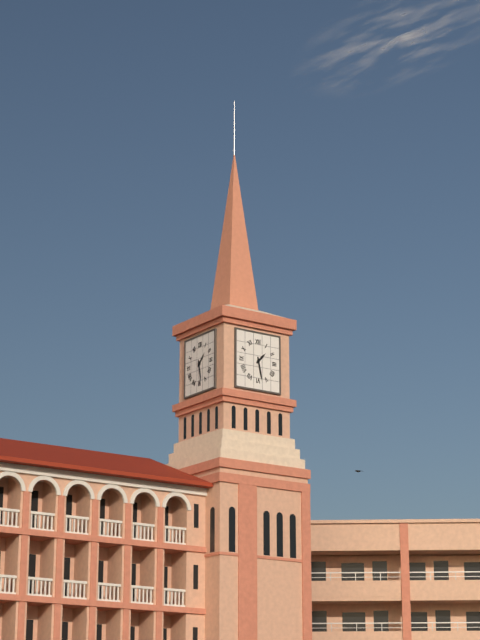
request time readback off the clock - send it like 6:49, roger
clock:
1:28
